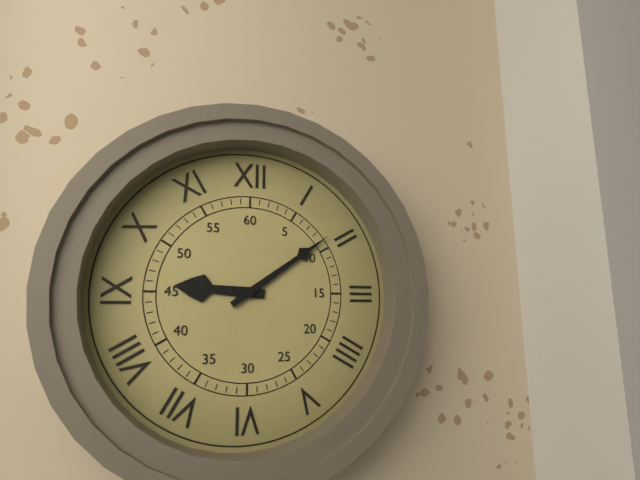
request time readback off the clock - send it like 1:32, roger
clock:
9:09
